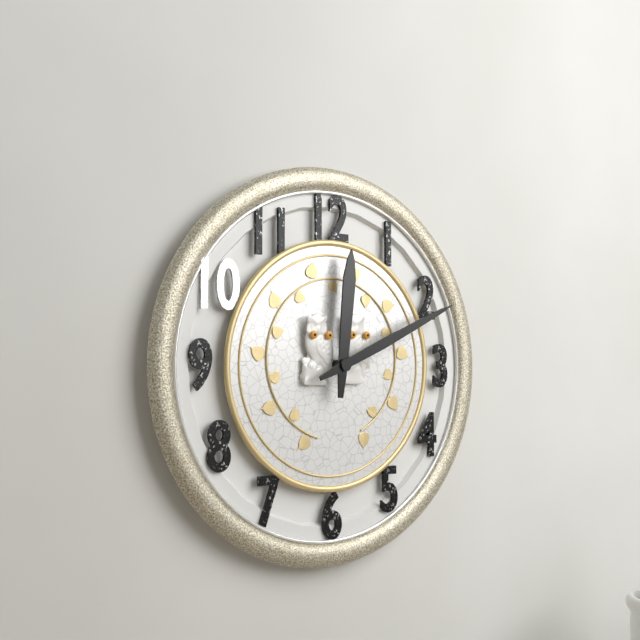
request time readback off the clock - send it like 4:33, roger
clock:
12:11
